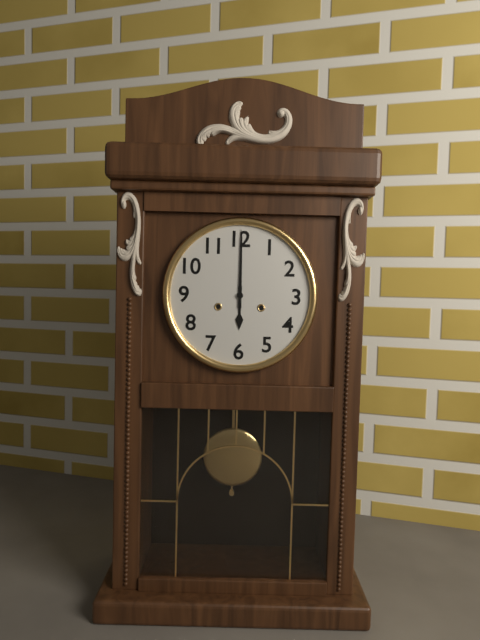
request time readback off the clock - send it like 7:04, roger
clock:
6:00
